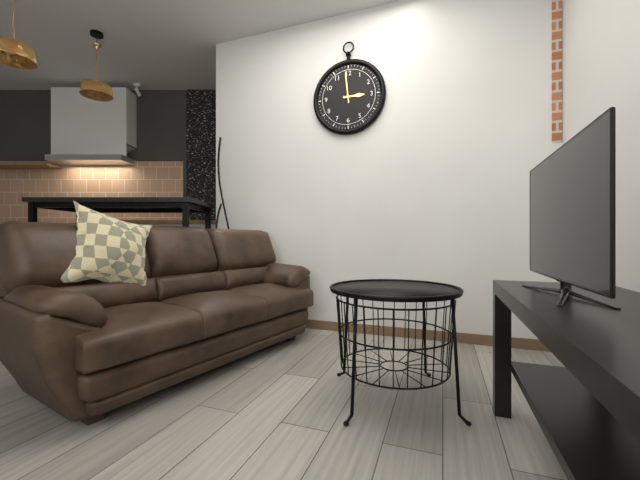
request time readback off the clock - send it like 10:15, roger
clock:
2:59
